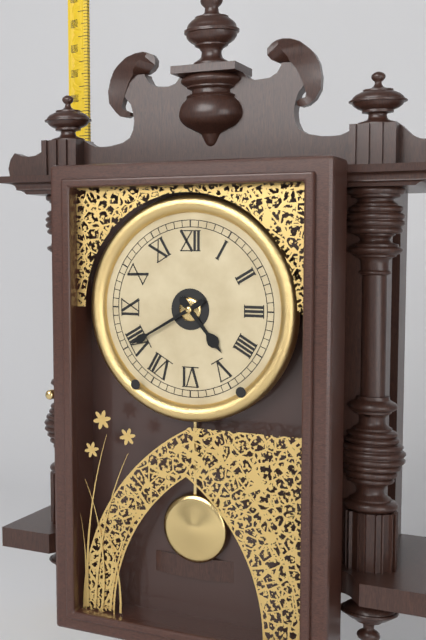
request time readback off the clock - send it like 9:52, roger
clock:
4:40
